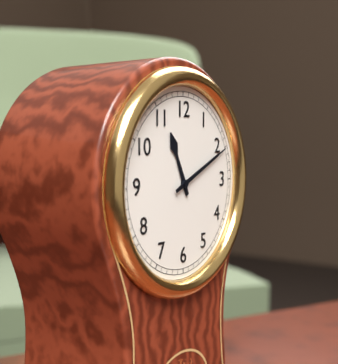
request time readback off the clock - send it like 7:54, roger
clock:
11:11
